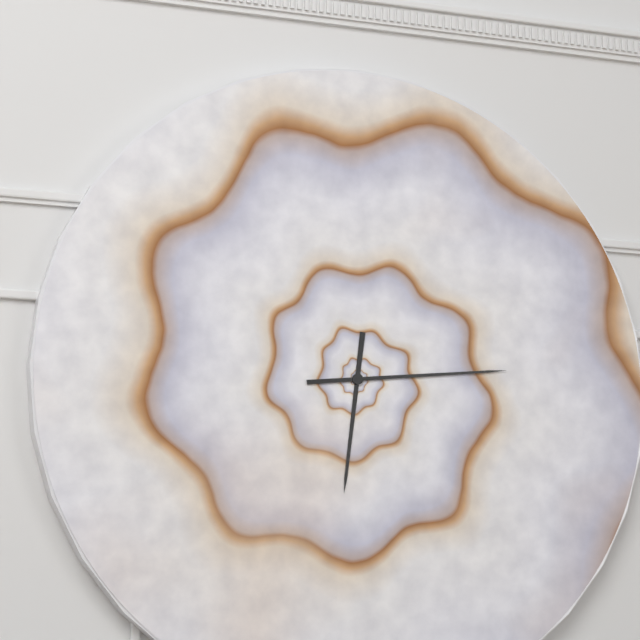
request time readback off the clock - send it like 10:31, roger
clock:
6:14
